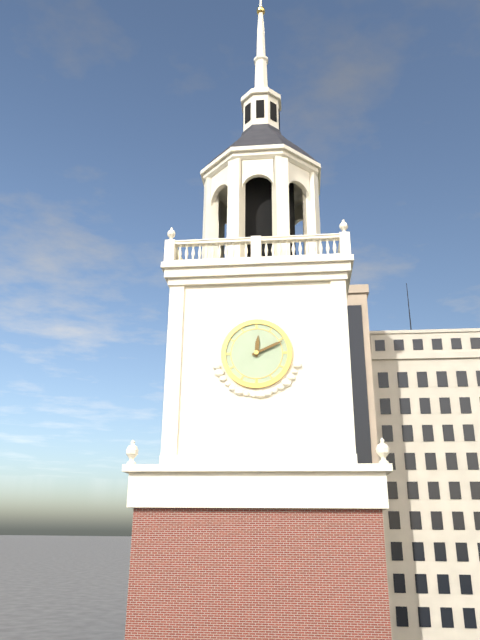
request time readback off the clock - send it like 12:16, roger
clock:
12:11
